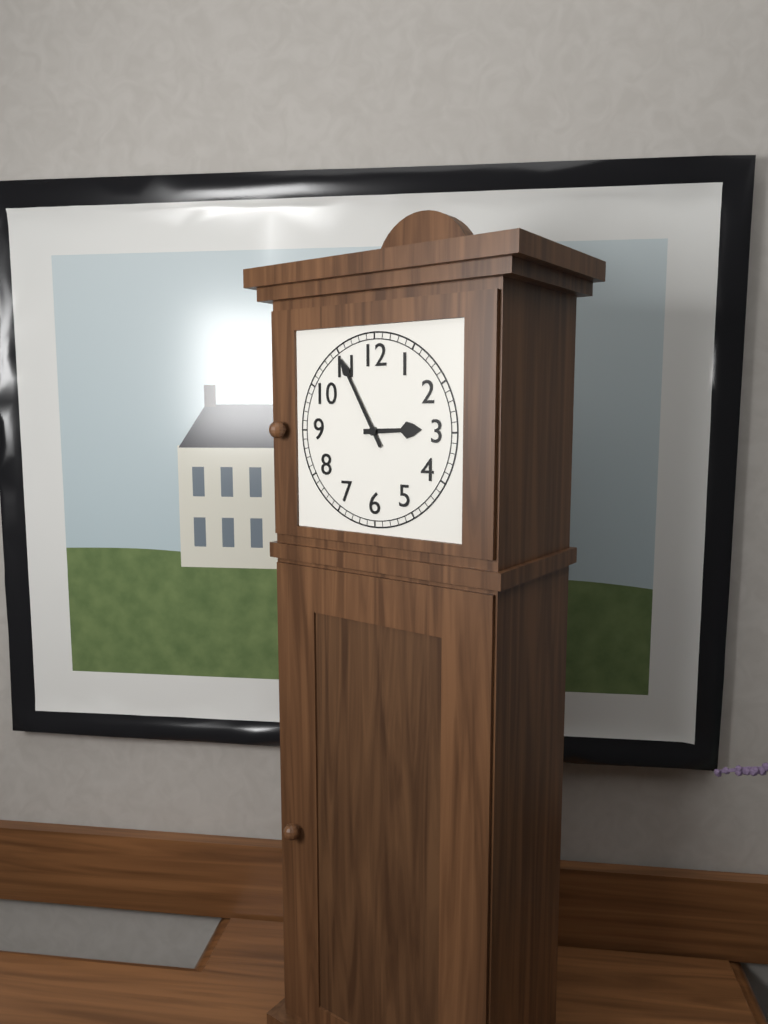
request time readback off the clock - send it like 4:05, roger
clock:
2:55
